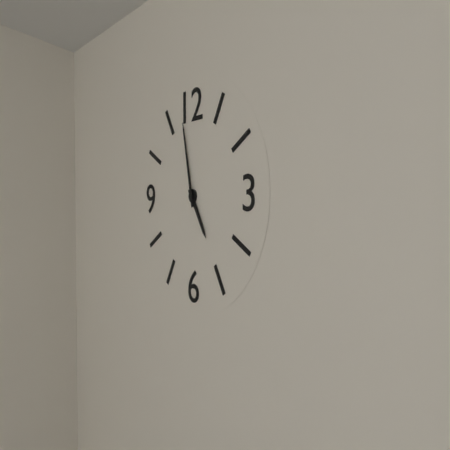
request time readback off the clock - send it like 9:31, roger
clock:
4:58
